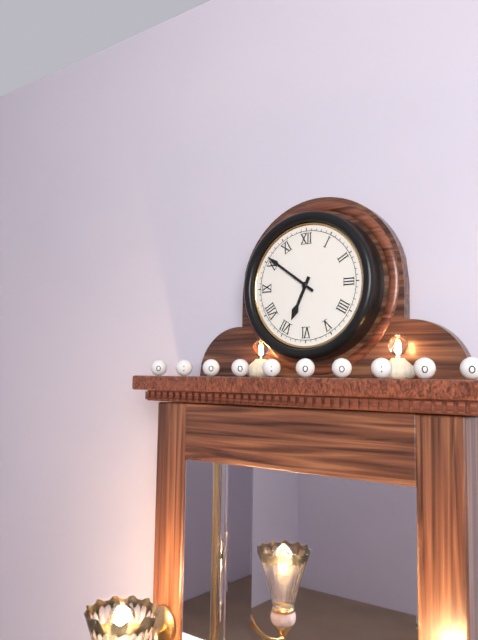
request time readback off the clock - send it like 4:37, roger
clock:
6:51
